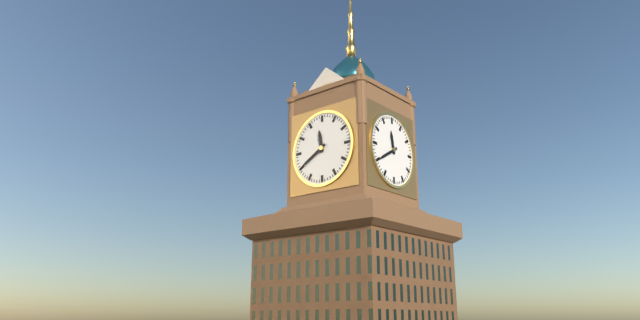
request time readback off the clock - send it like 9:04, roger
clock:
11:40
